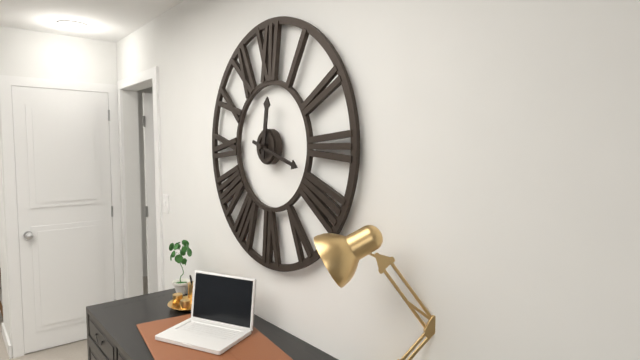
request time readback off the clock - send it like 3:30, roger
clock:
12:18
